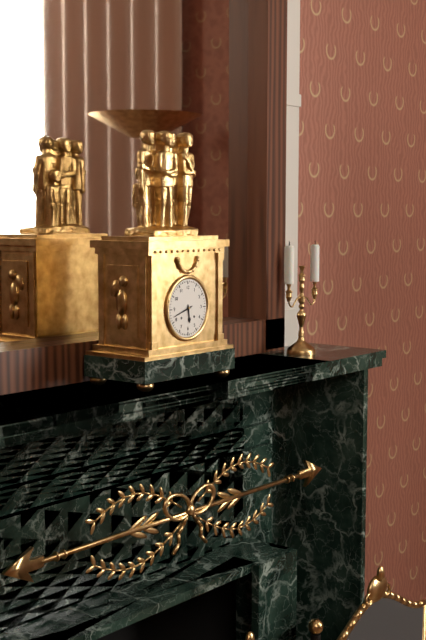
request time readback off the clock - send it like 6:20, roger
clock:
5:42
